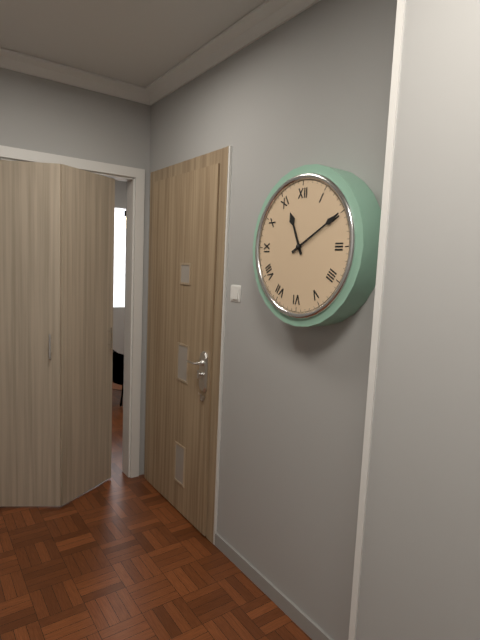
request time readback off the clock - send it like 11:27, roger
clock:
11:10
